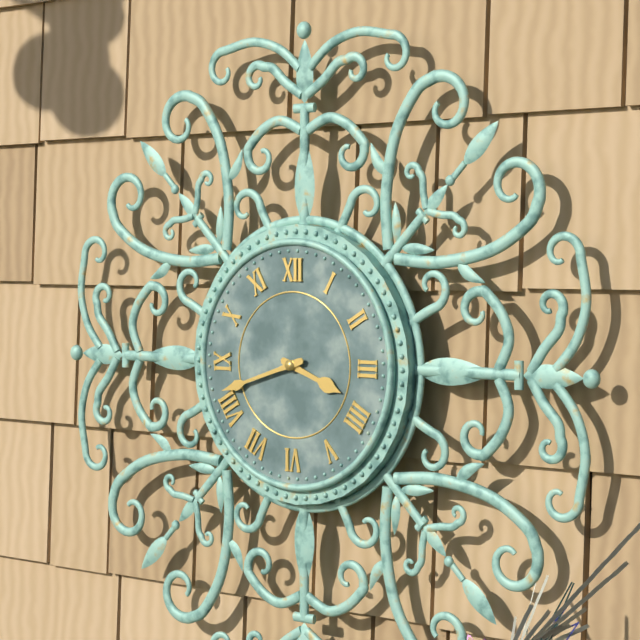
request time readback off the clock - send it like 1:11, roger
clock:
3:42
